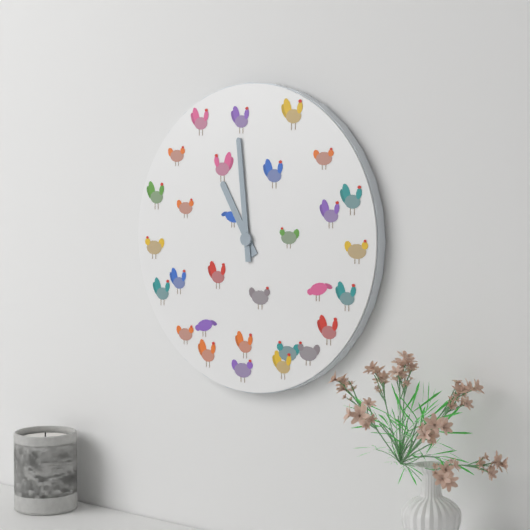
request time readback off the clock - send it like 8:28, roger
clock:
10:59
